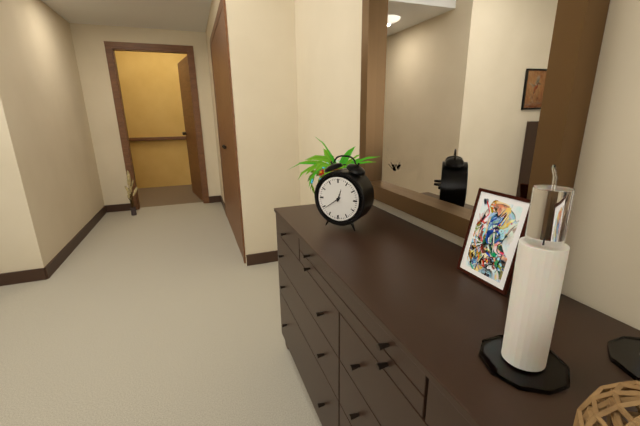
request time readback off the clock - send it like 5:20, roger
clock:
12:39
